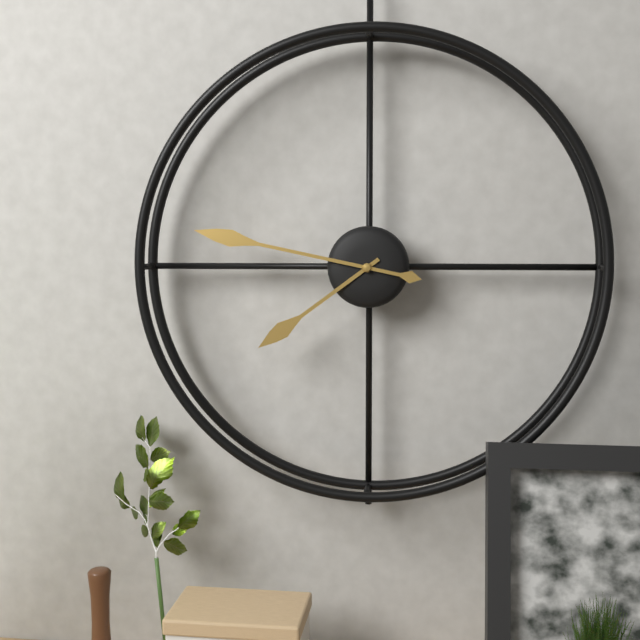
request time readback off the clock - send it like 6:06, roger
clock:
7:47
